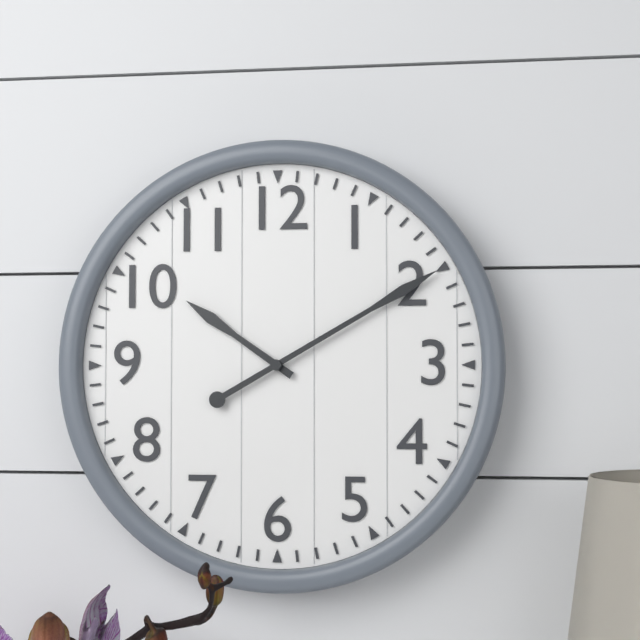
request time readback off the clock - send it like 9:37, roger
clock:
10:10
